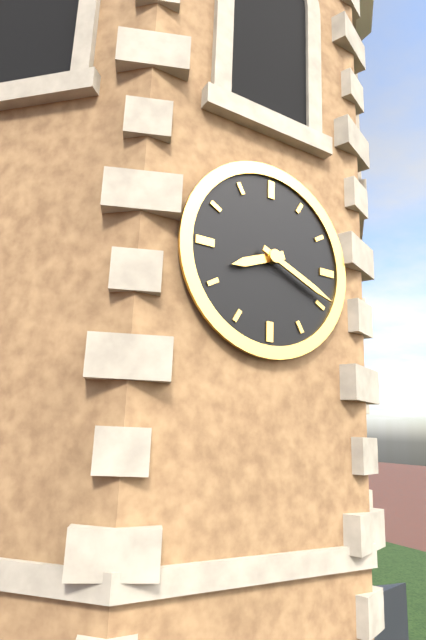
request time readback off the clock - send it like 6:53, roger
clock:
8:19
